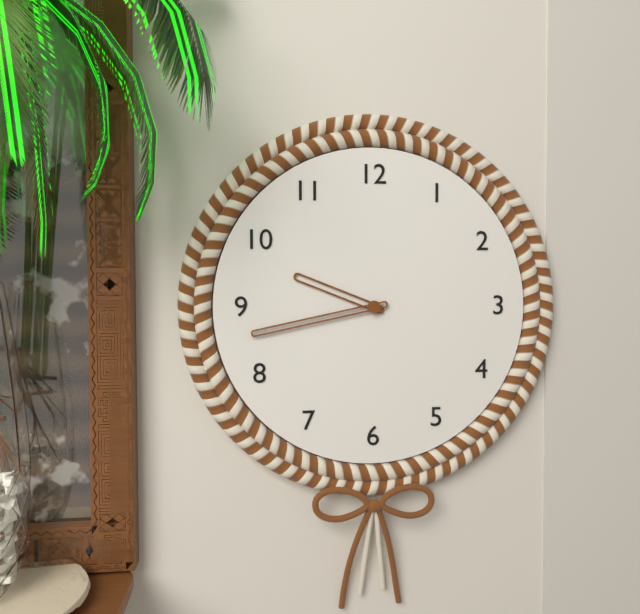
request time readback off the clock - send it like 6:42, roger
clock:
9:43
